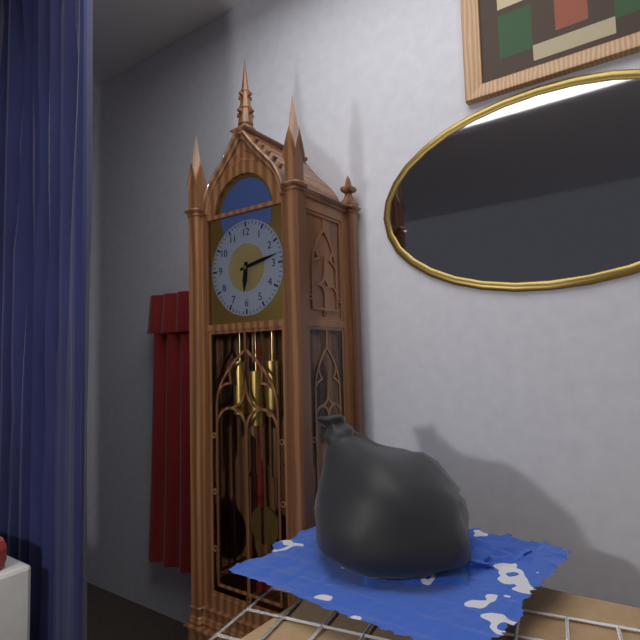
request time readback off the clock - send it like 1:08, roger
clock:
6:13
